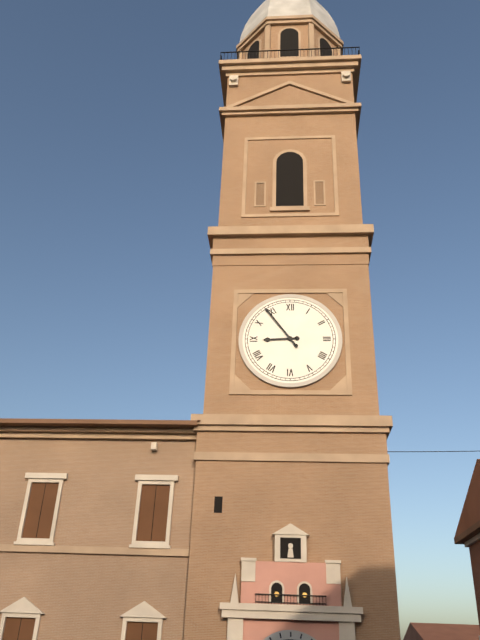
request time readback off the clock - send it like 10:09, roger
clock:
8:54
